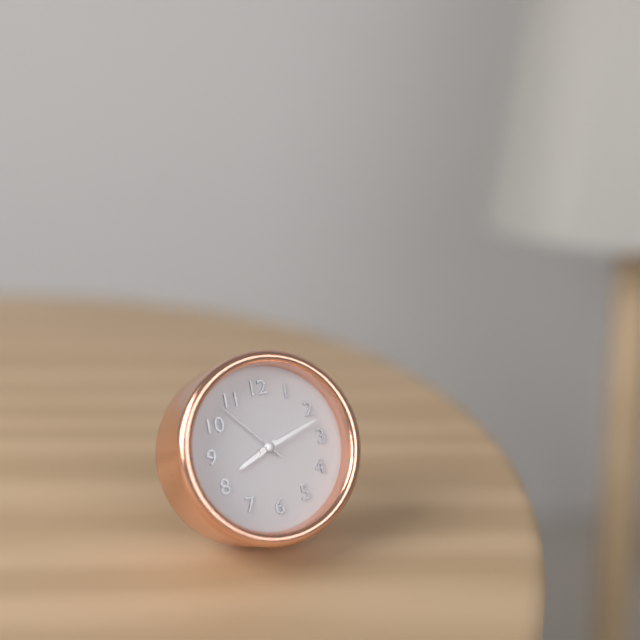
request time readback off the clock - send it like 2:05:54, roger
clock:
8:12:53
